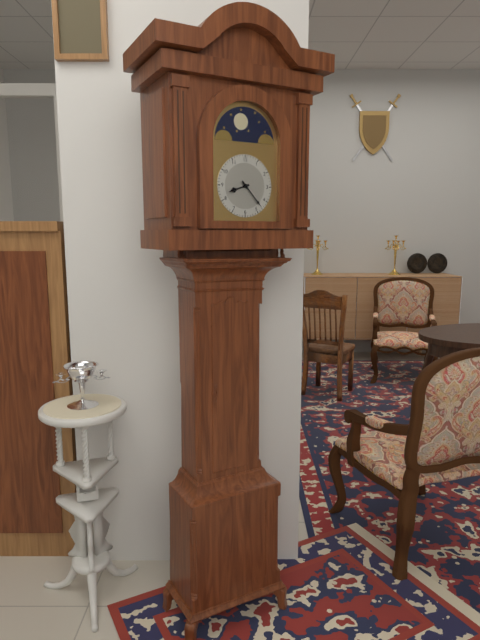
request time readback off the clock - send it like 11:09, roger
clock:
8:23
